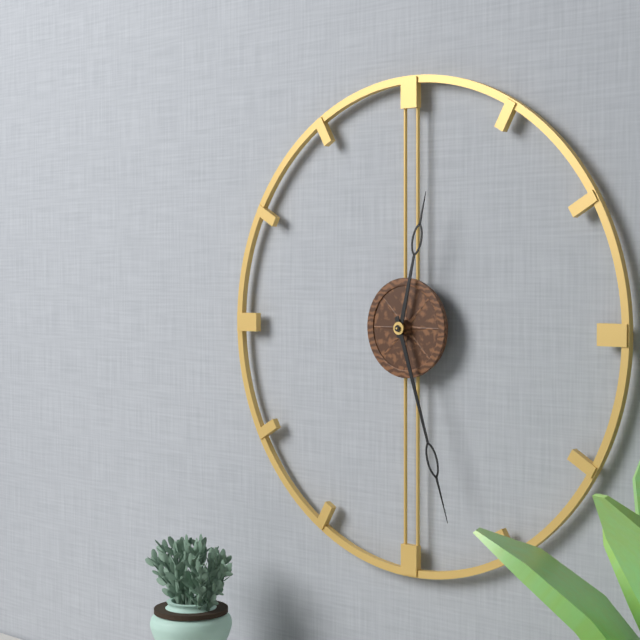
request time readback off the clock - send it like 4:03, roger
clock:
12:27
